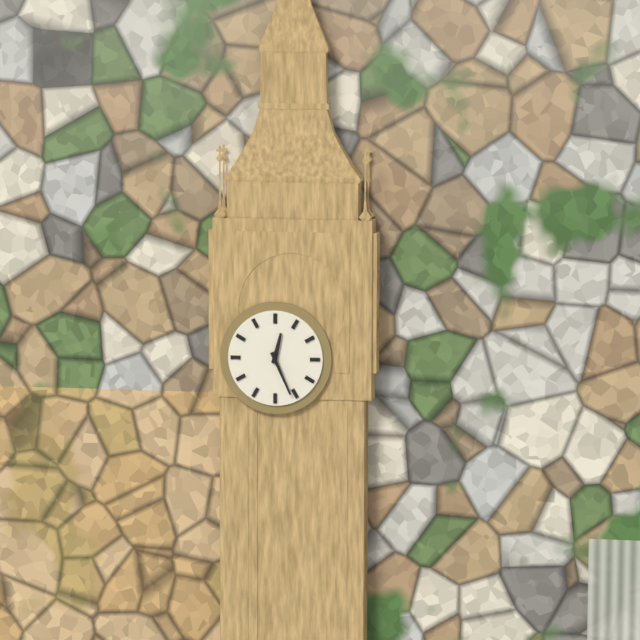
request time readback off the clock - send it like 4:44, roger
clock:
12:26
